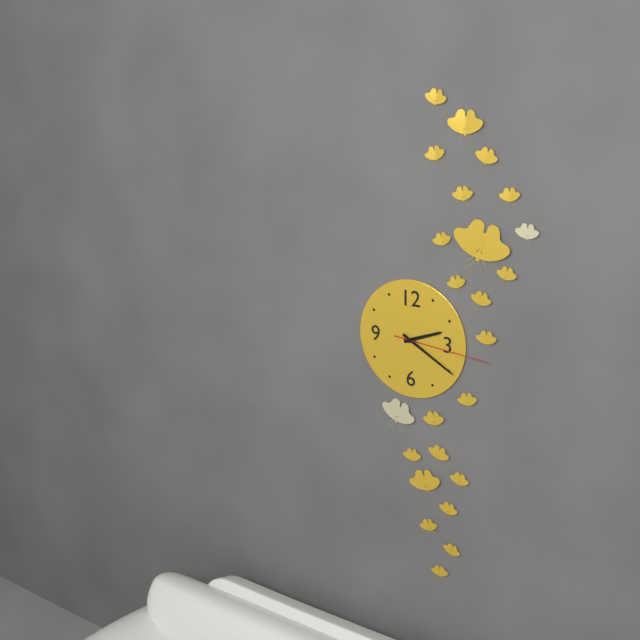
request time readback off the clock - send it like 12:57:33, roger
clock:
2:20:16
